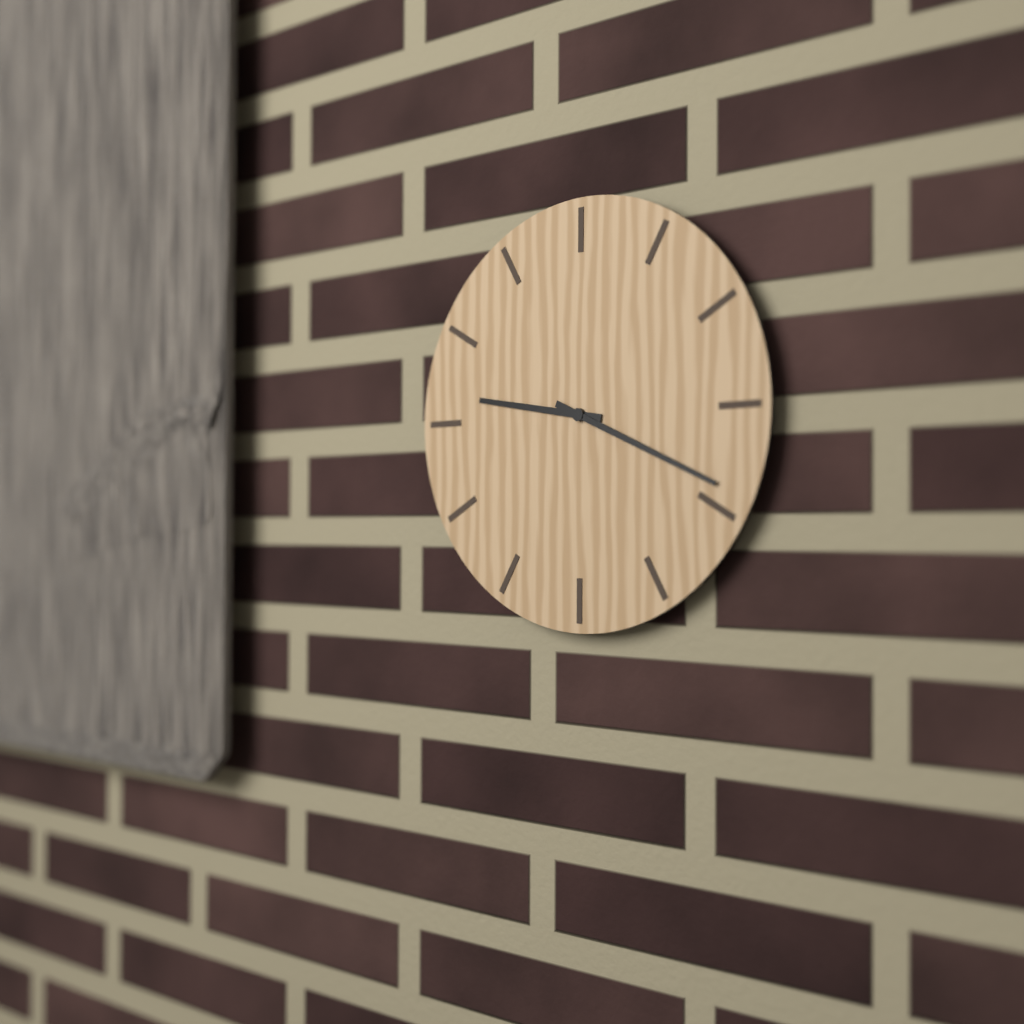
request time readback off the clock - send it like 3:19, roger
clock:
9:19
